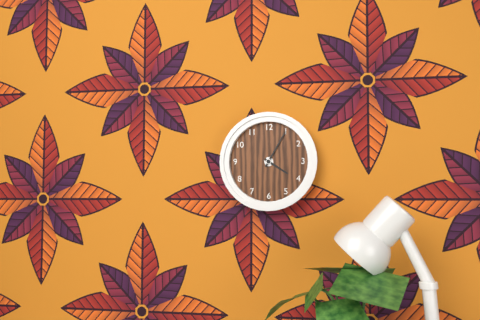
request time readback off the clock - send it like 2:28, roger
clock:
4:05
